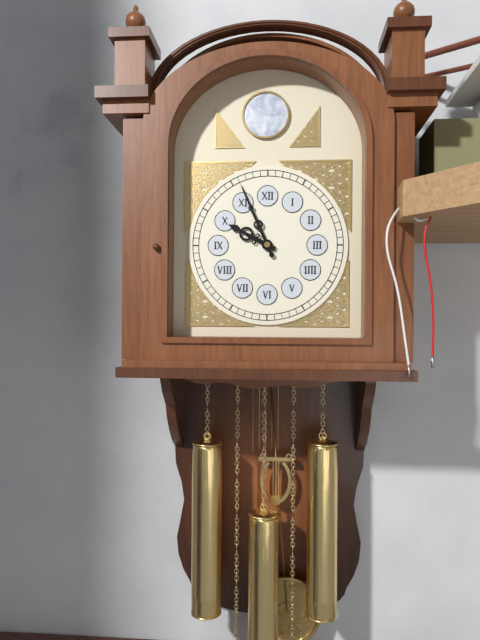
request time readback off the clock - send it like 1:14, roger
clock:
9:56
